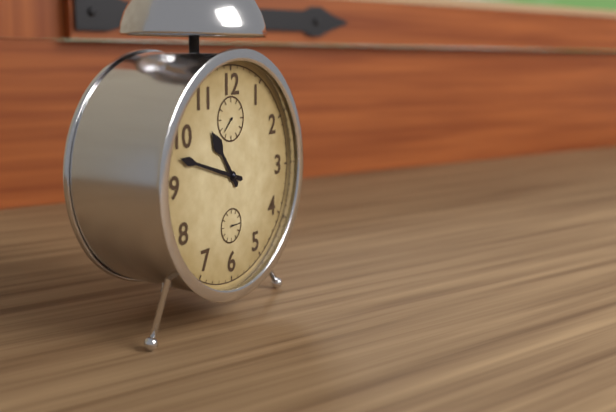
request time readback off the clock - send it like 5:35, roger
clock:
10:48
